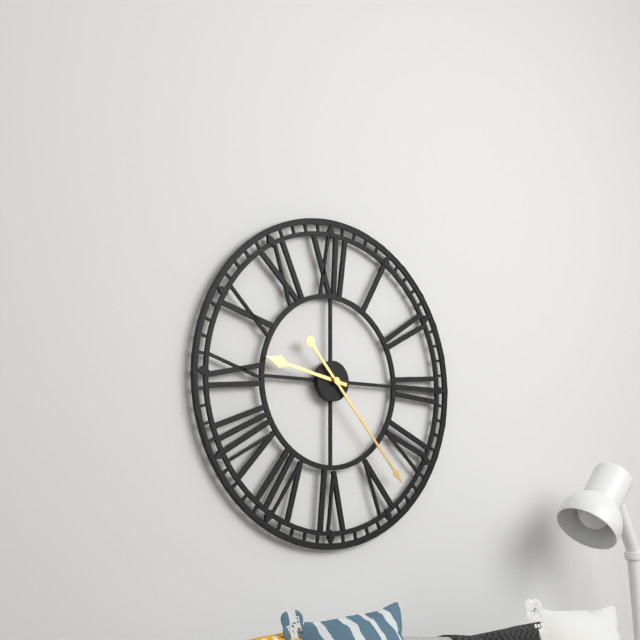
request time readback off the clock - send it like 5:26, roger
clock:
9:23
